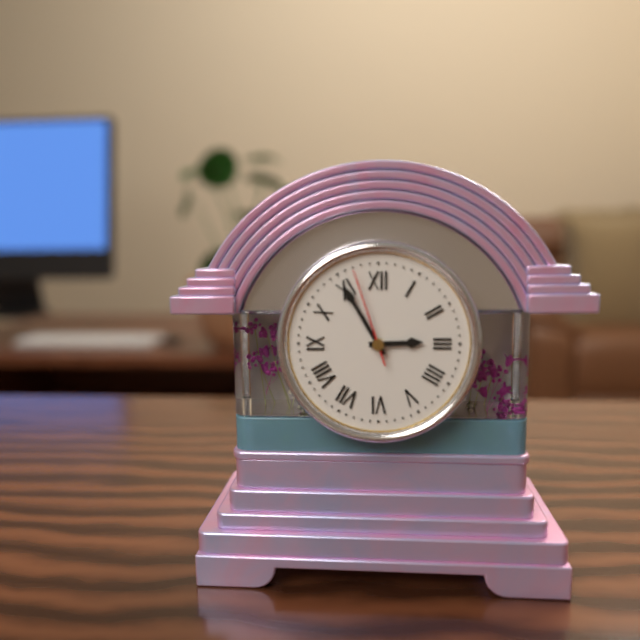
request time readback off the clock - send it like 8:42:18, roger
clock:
2:55:57
